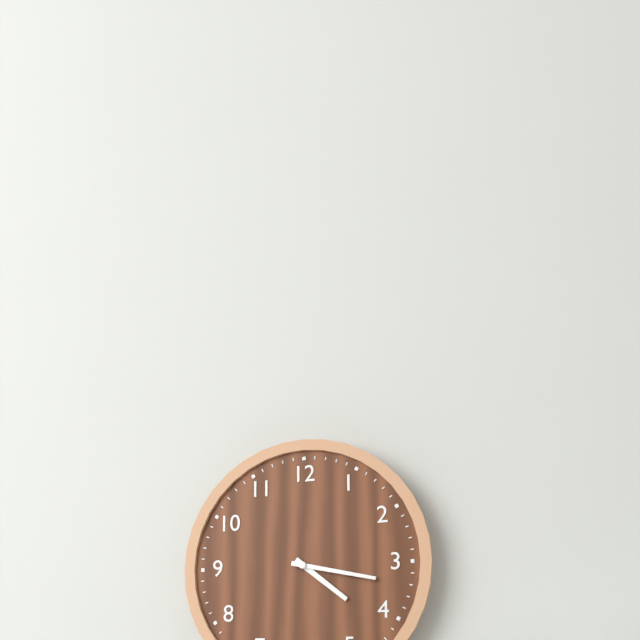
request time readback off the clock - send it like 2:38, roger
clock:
4:17
